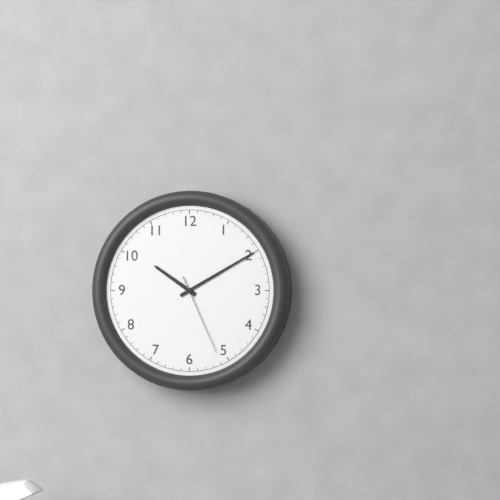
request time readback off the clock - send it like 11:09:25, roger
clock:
10:10:26
